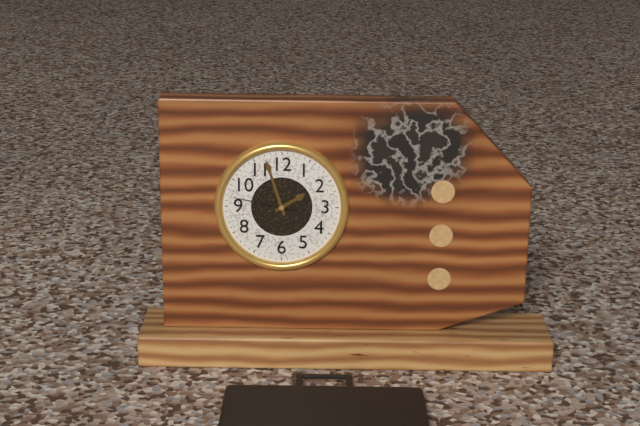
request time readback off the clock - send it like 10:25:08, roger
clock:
1:57:47
